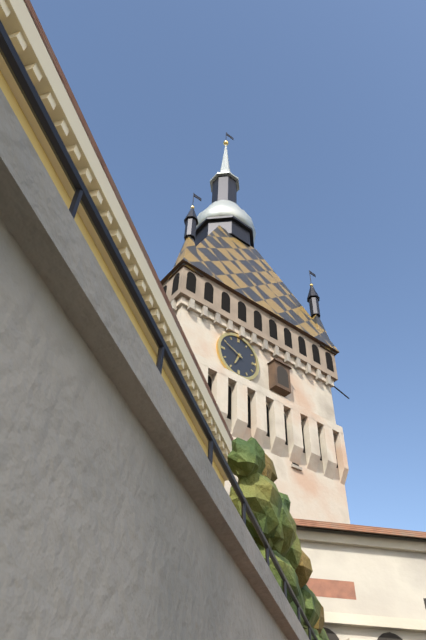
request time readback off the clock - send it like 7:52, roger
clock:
6:49
